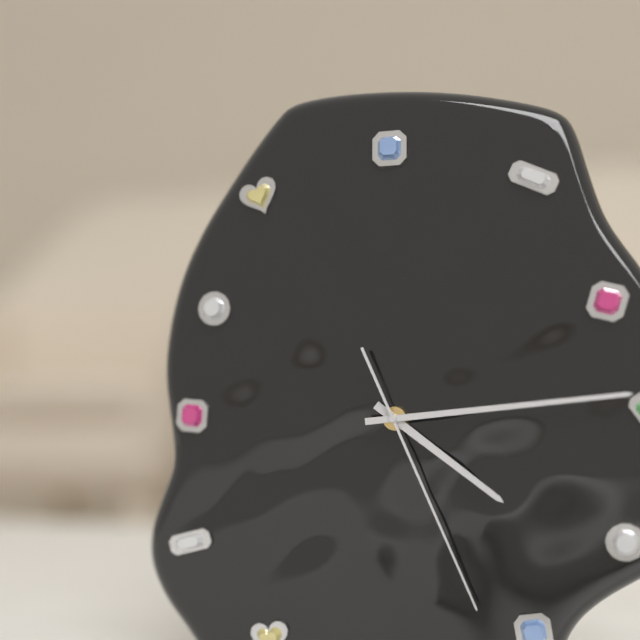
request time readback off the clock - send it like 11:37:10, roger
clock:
4:14:26
